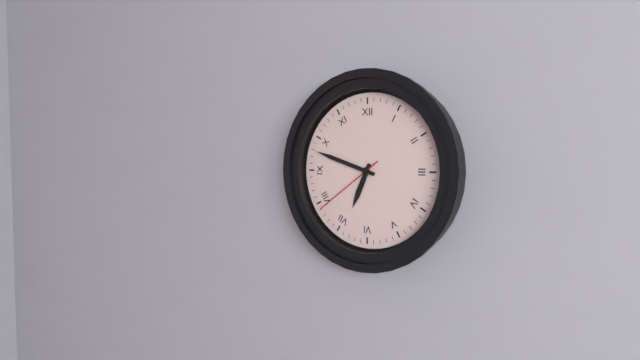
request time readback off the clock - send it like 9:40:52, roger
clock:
6:48:39
